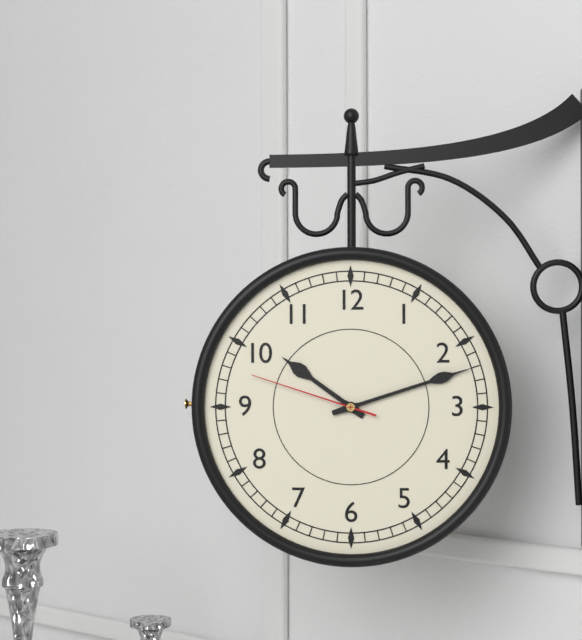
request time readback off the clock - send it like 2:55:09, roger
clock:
10:12:48
